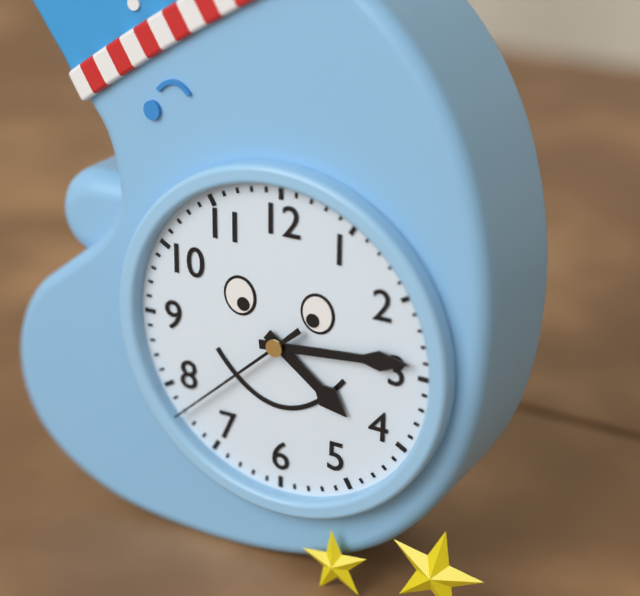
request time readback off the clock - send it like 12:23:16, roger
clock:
4:14:38
